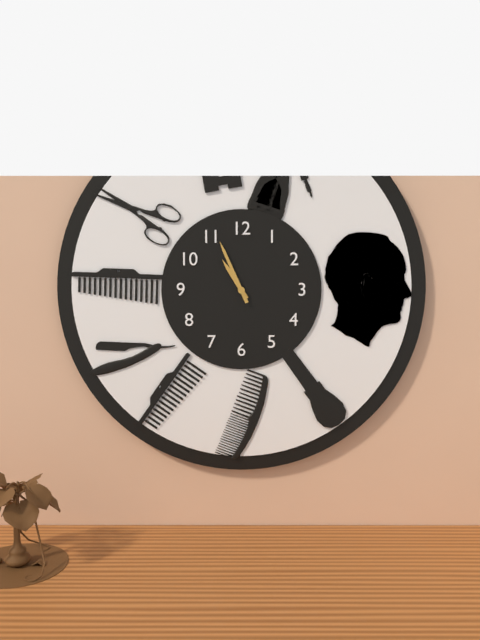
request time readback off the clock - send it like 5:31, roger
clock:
10:56
